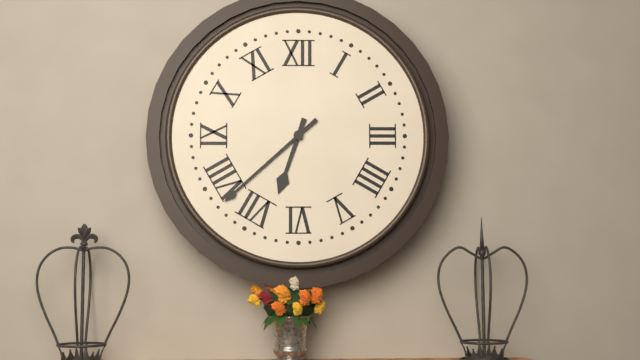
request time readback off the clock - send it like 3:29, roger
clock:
6:38
